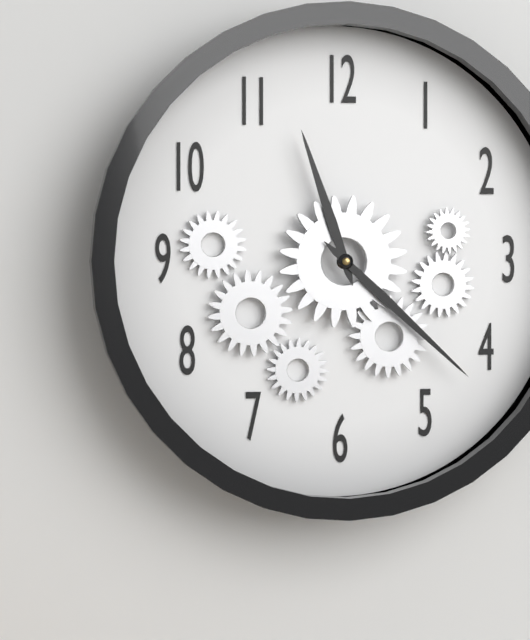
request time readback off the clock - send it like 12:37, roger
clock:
11:22
